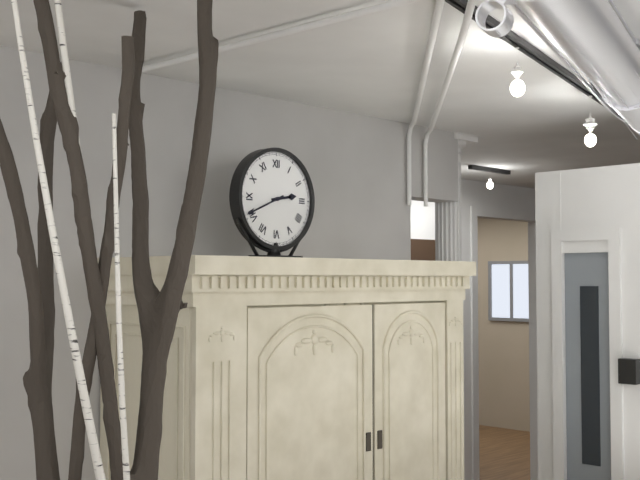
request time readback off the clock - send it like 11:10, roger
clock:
2:41
